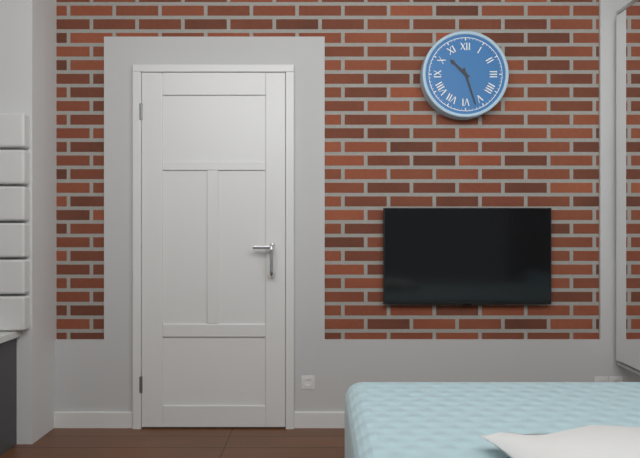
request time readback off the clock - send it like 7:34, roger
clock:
10:27
